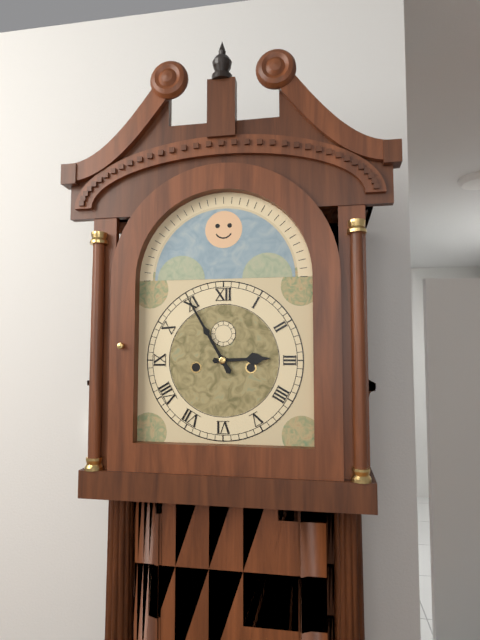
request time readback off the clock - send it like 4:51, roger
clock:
2:55
